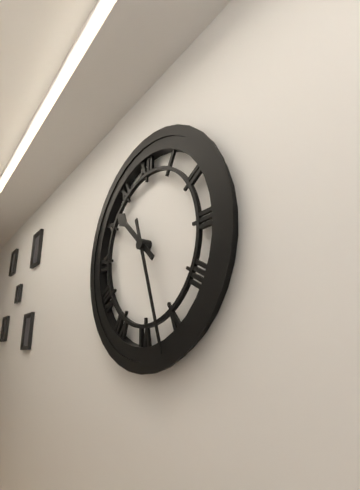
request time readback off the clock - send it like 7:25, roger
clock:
10:27
